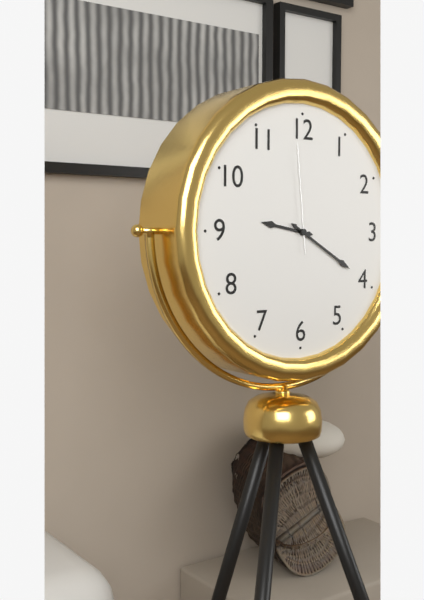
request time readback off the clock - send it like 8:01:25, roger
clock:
9:20:59
